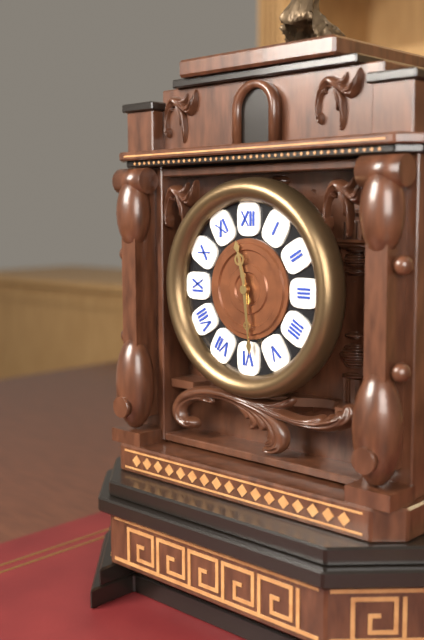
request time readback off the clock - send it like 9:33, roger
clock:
11:29
